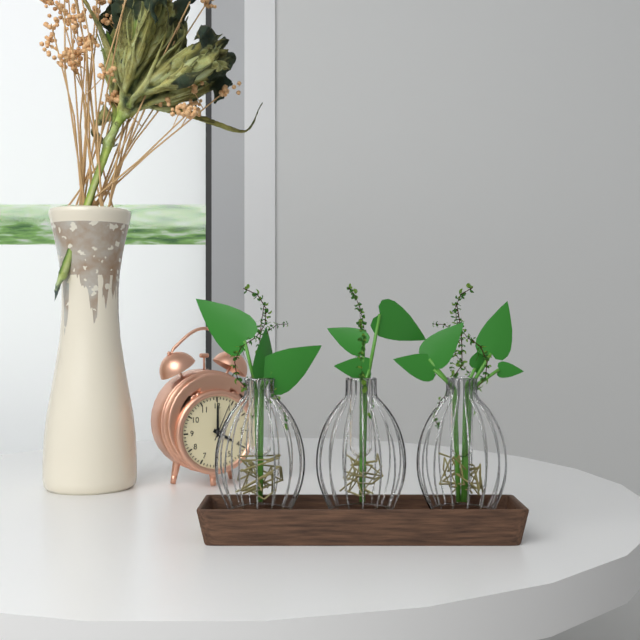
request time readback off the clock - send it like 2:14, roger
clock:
4:00
